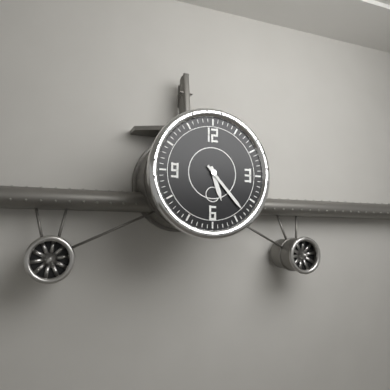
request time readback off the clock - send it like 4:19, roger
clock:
5:23
